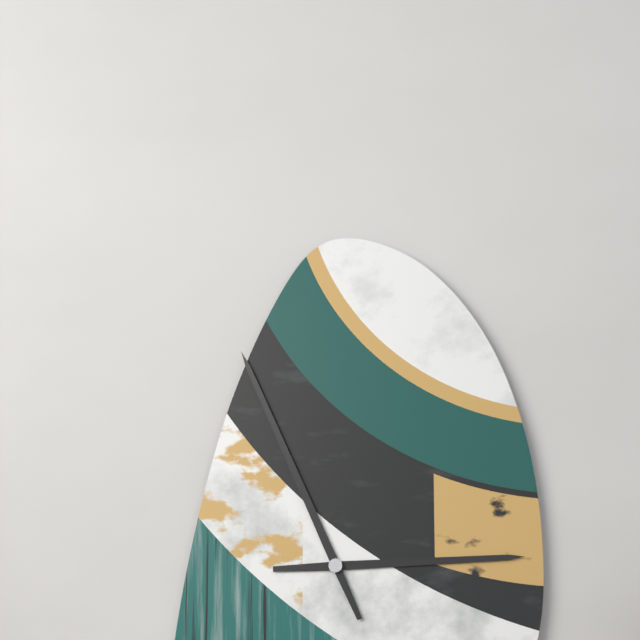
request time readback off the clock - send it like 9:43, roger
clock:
2:56
